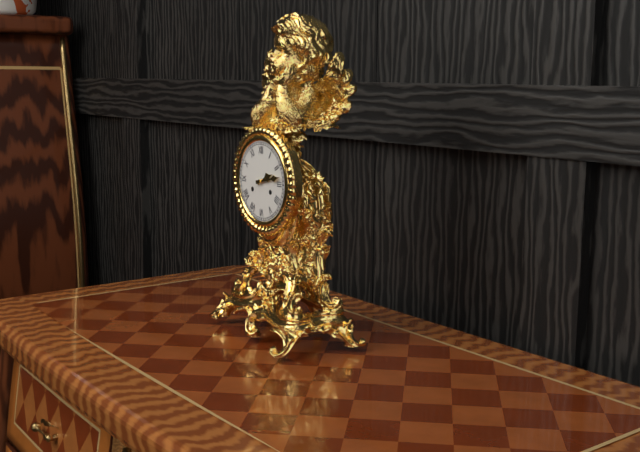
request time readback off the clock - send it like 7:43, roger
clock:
2:13
